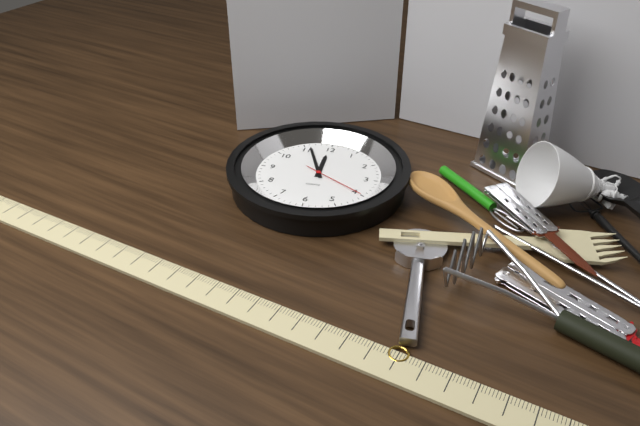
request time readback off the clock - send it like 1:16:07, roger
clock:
11:56:20
